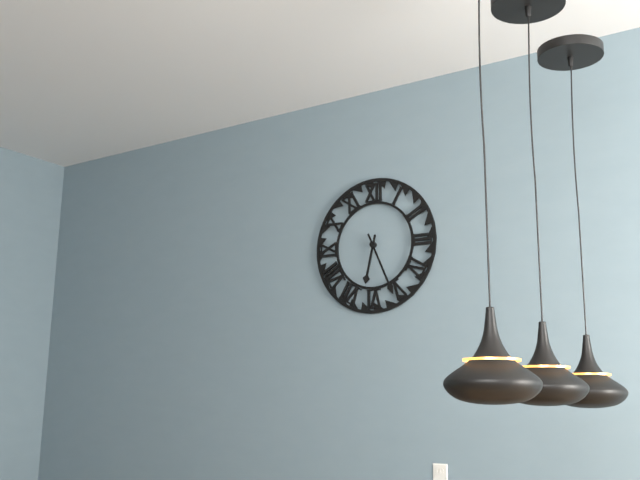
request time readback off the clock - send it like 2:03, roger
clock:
6:26
